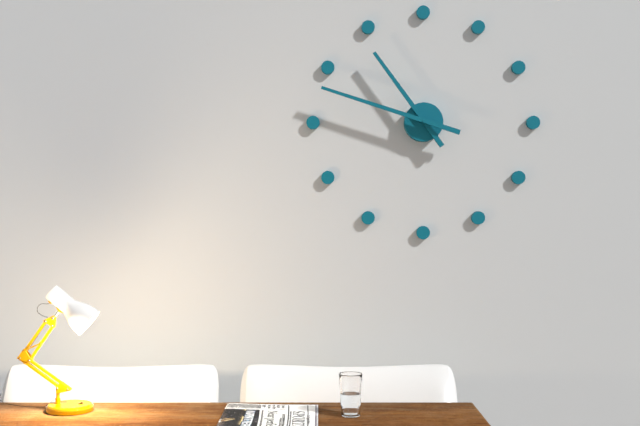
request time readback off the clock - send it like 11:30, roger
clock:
10:48
